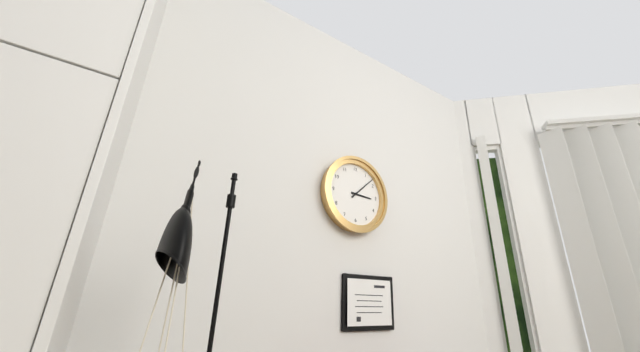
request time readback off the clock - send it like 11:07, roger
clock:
3:08
